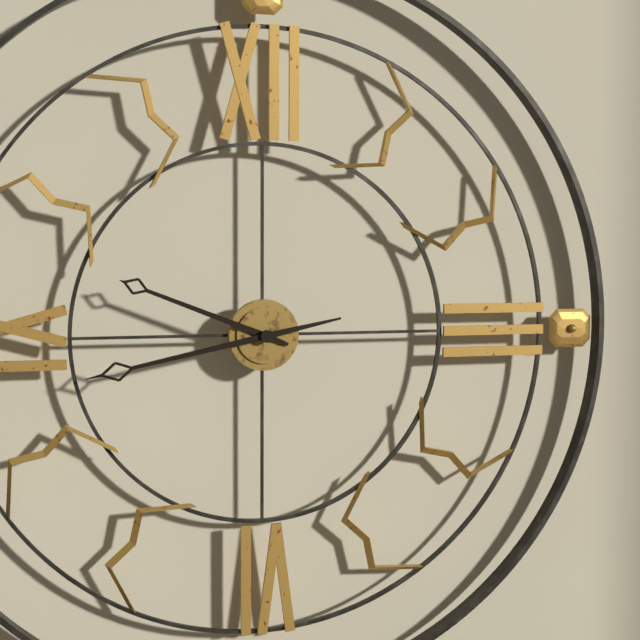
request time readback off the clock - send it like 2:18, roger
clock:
9:43
